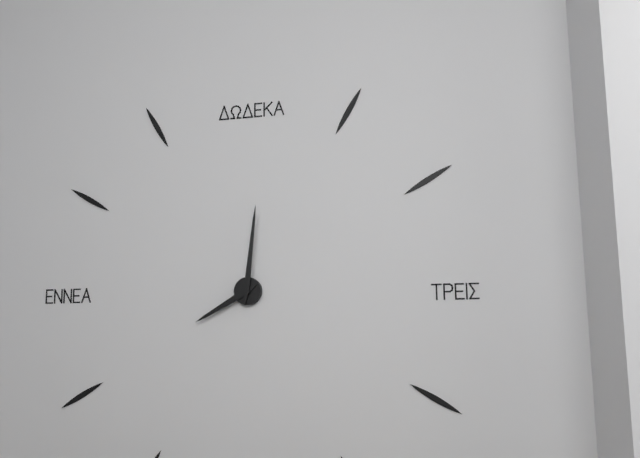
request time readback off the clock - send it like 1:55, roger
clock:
8:01
